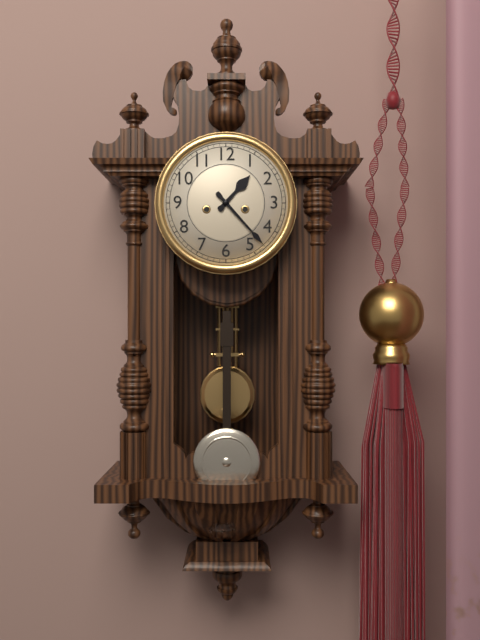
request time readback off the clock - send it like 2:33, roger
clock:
1:23
